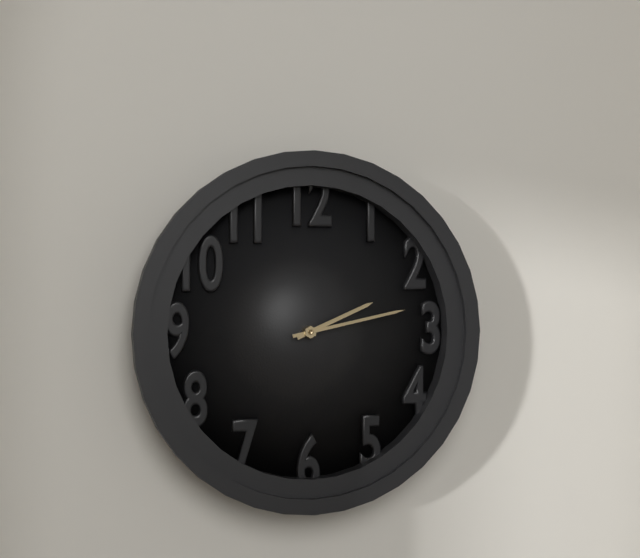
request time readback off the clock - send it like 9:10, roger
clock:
2:13
